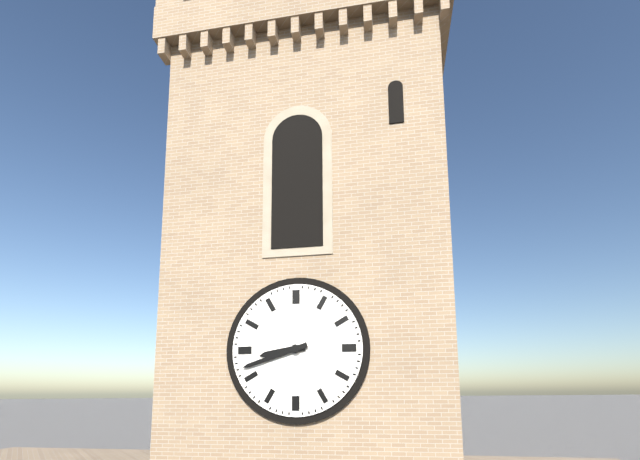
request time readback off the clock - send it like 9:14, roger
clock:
8:42
